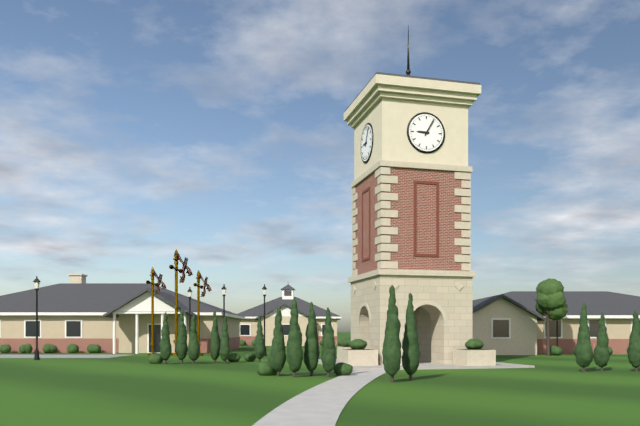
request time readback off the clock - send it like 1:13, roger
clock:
9:05
